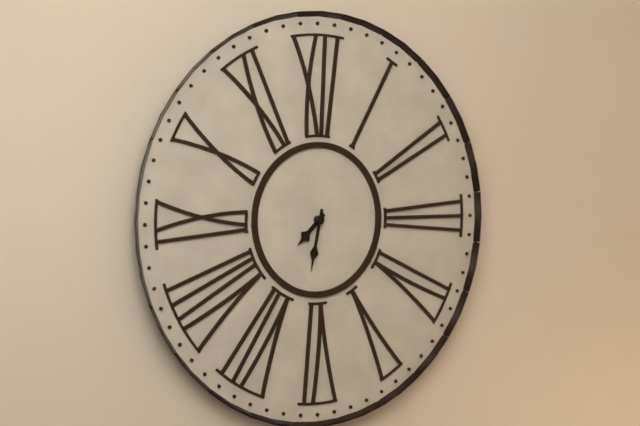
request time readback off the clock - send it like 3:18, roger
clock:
7:32
